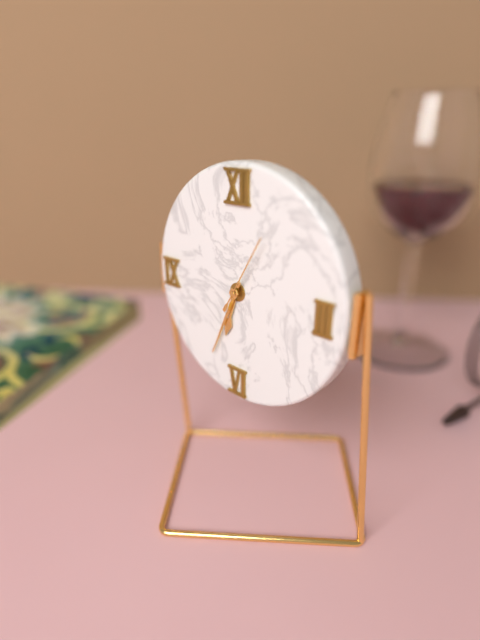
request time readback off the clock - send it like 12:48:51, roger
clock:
6:34:05
